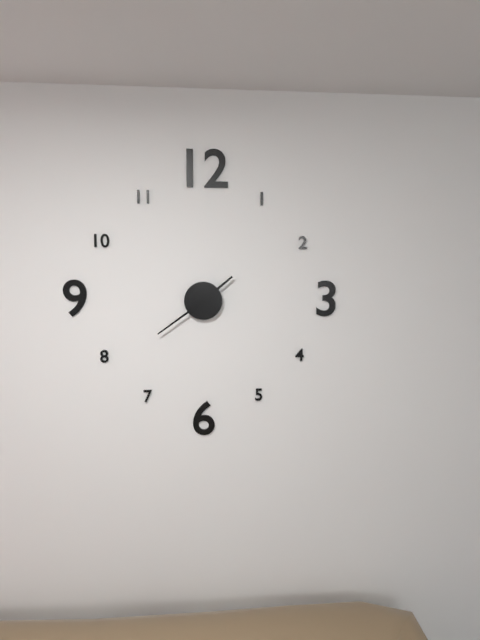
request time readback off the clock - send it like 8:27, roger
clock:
1:39
